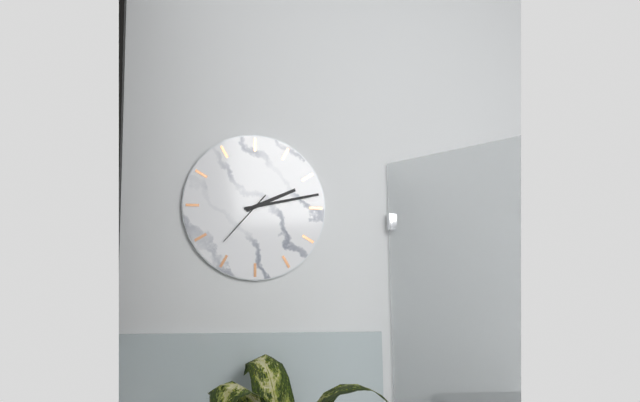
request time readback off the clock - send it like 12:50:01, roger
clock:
2:13:37
